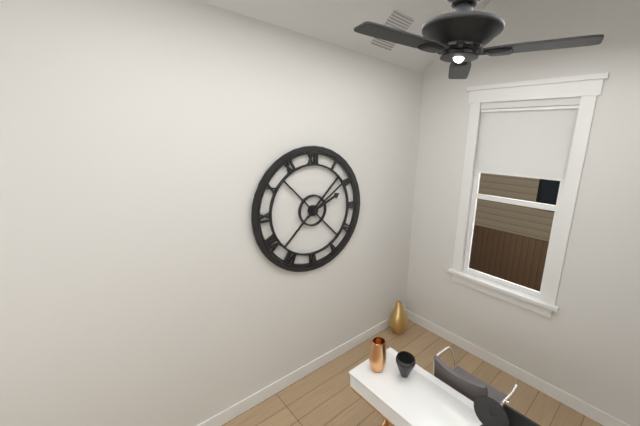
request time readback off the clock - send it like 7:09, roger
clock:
2:09
